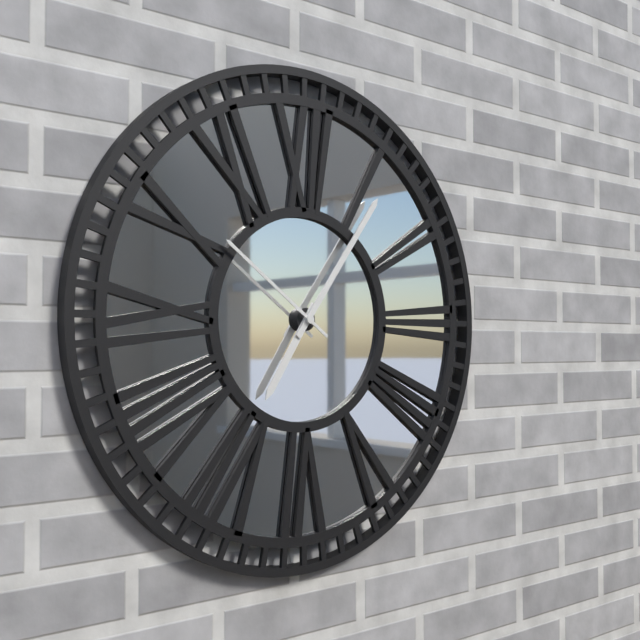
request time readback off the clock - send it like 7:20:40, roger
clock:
7:06:51
